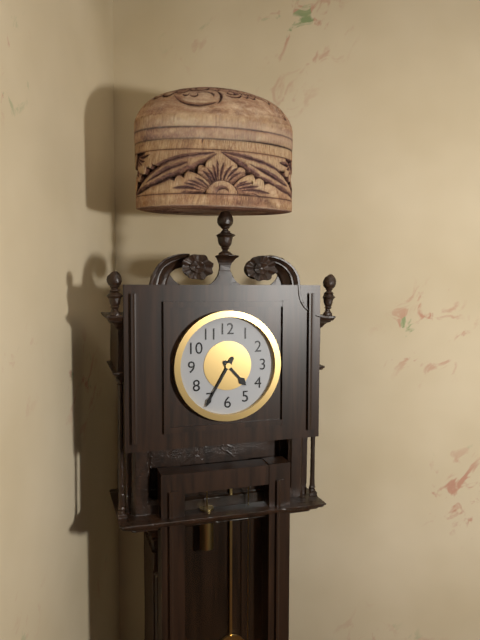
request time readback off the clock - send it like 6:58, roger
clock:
4:35
